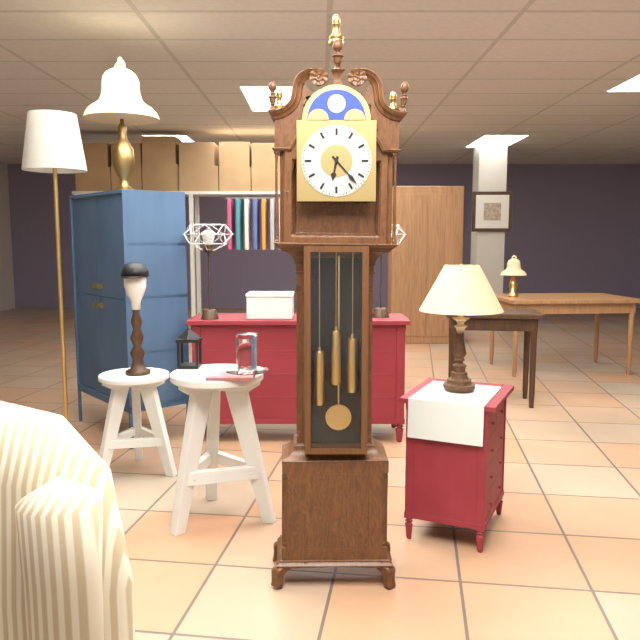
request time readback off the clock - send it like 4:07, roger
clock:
6:23
